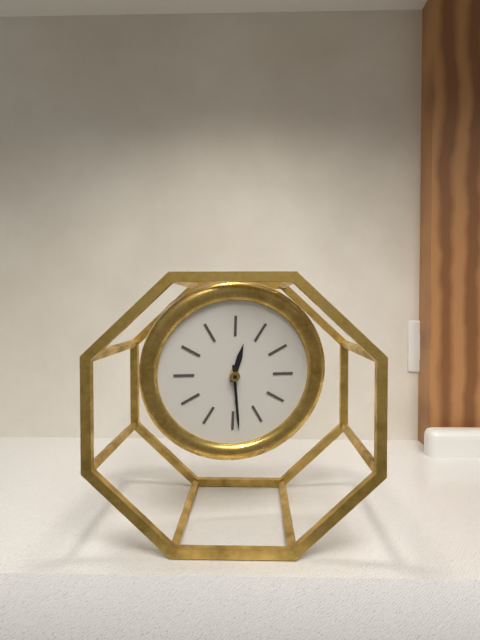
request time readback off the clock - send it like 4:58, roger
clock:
12:29
